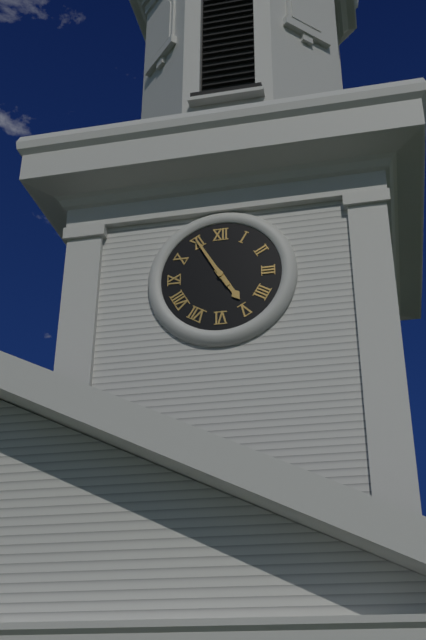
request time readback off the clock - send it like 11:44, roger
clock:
4:55
